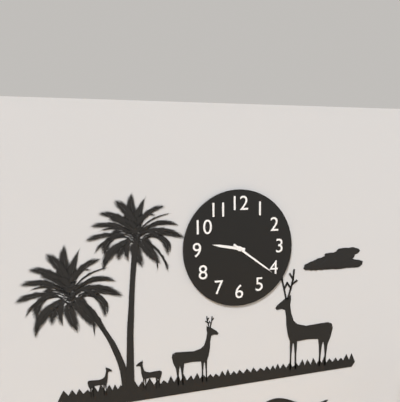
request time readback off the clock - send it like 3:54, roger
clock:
9:21
